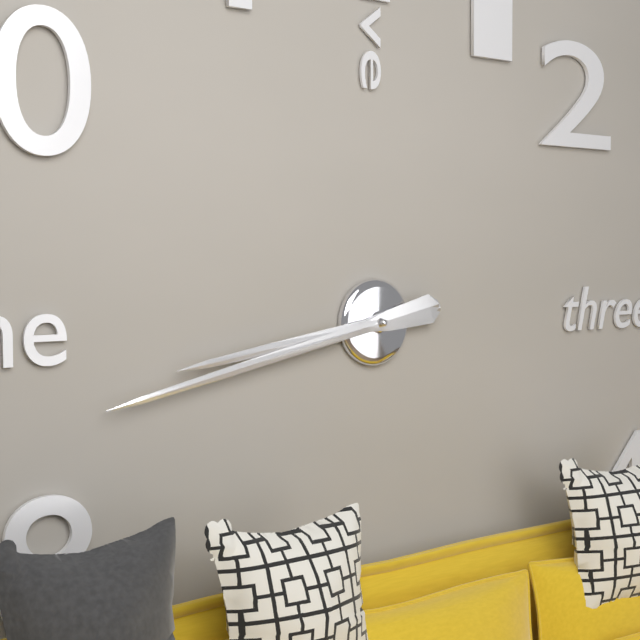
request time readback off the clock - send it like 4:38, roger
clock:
8:43
